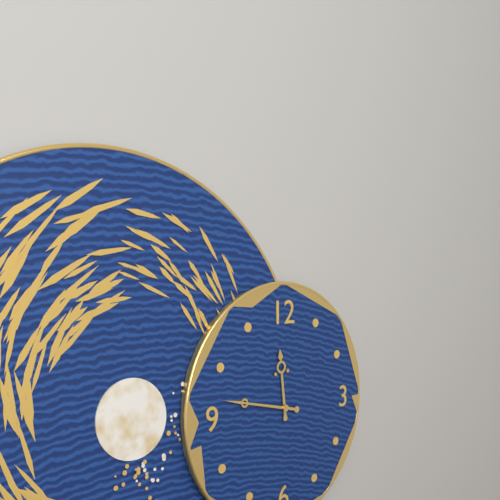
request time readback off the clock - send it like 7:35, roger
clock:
11:47
